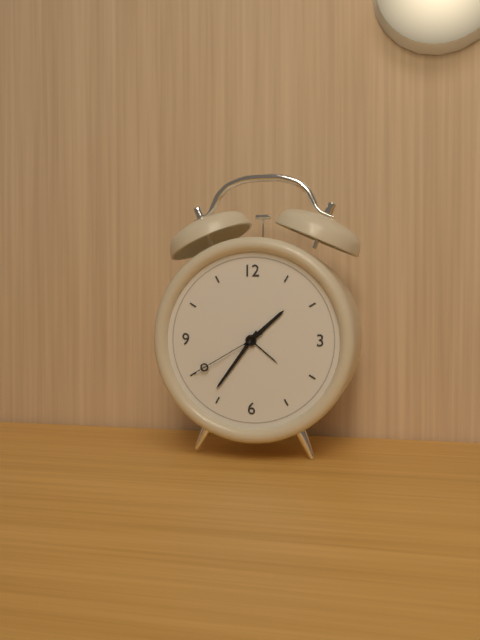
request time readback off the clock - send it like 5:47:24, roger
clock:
1:36:40
